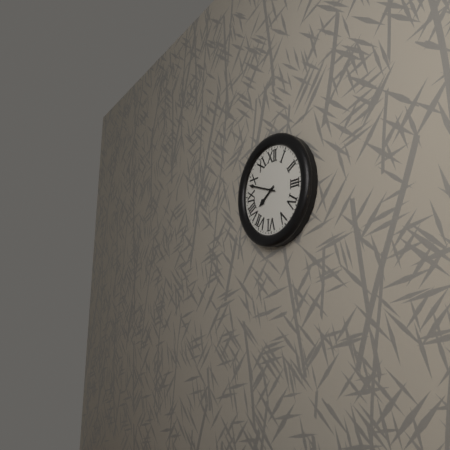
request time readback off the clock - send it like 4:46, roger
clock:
7:48
